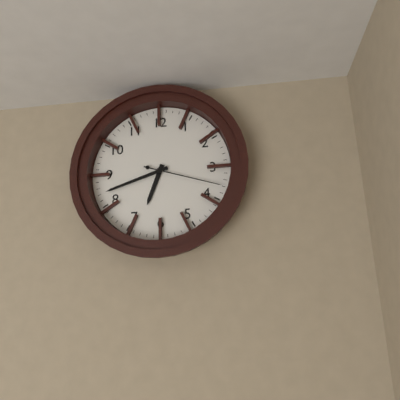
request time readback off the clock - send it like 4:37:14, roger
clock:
6:42:18
